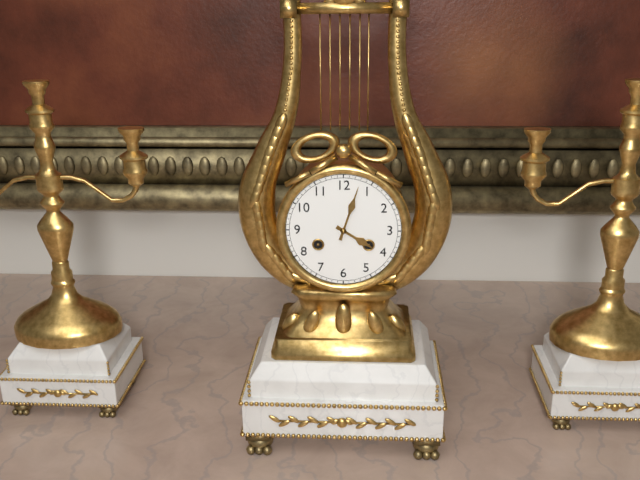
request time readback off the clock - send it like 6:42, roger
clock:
4:03
